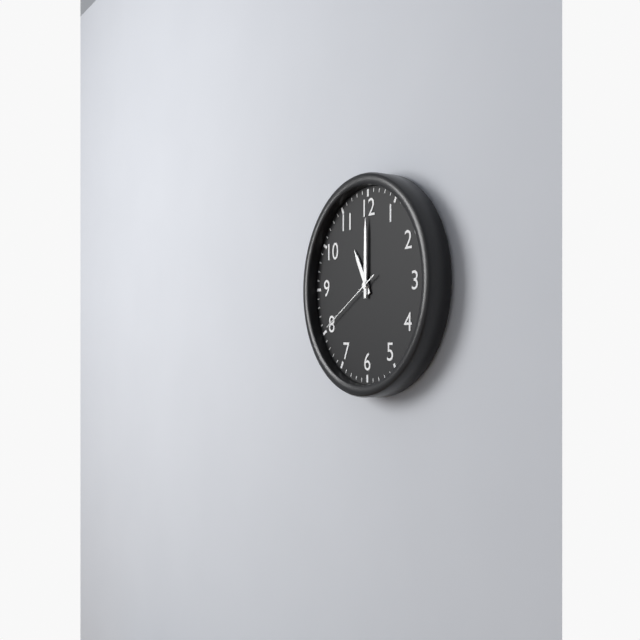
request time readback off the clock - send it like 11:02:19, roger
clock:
11:00:40
